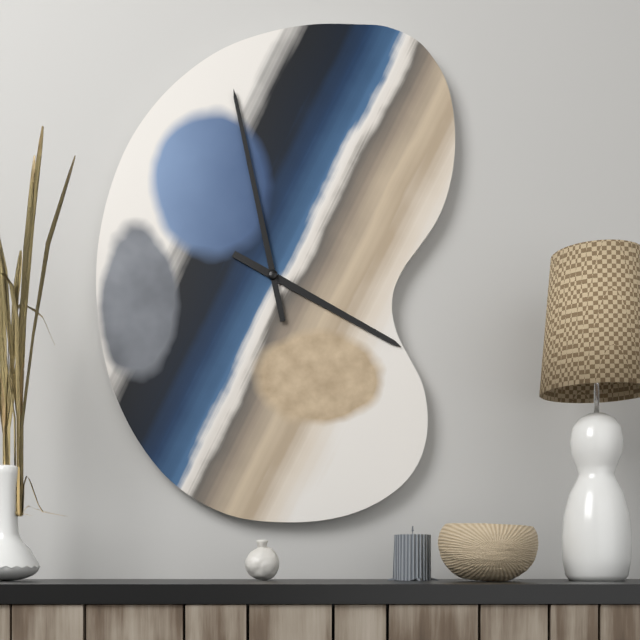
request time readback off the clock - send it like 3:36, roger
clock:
3:58
